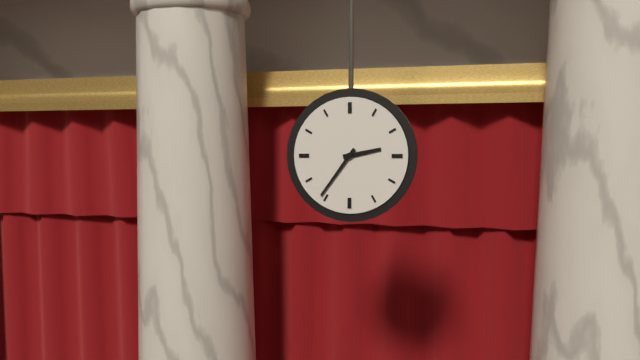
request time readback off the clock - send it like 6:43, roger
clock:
2:36
